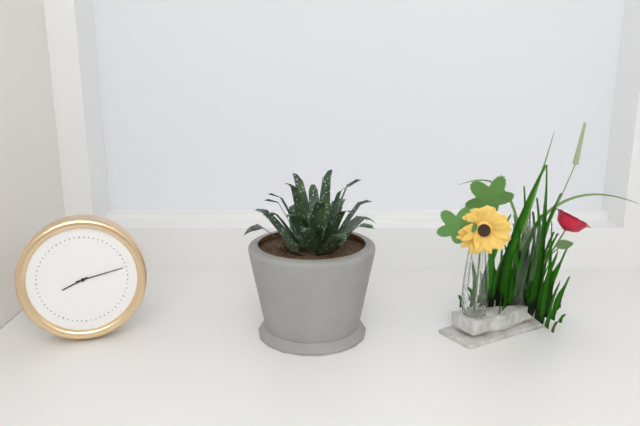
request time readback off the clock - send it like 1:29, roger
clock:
8:13
